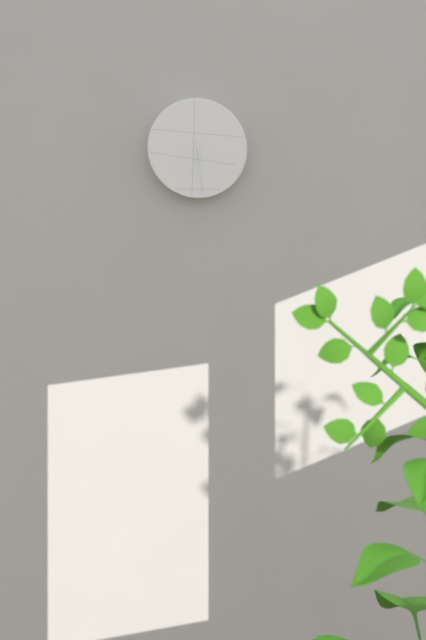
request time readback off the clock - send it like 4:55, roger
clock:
6:29
